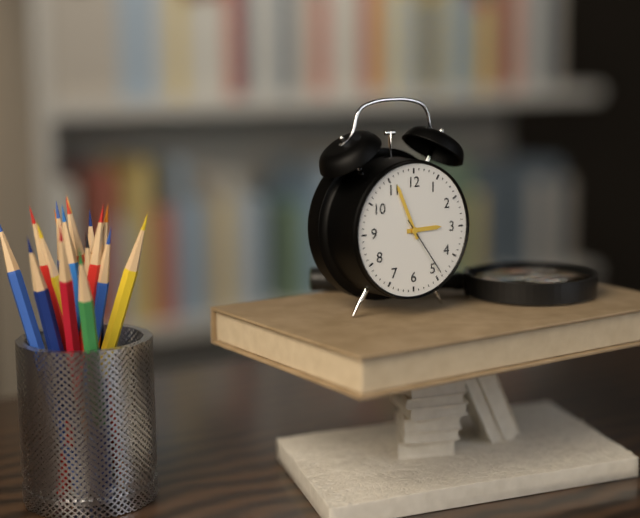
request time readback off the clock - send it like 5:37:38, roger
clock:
2:56:24
